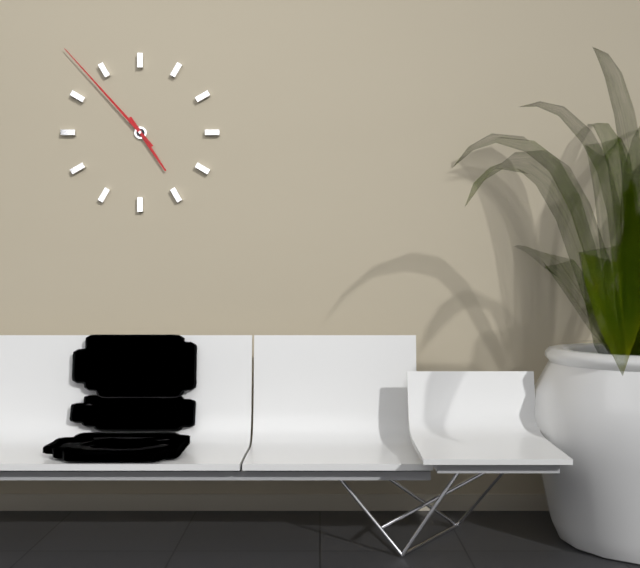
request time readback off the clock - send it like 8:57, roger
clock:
4:53
